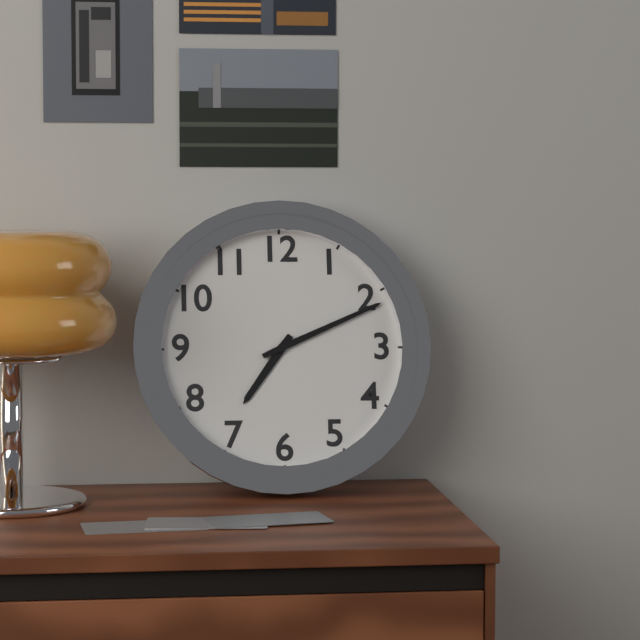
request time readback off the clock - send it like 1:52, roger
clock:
7:11
